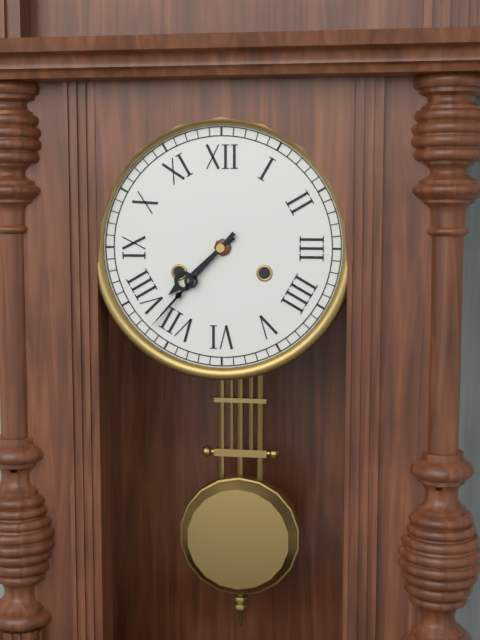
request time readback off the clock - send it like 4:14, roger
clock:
7:37
